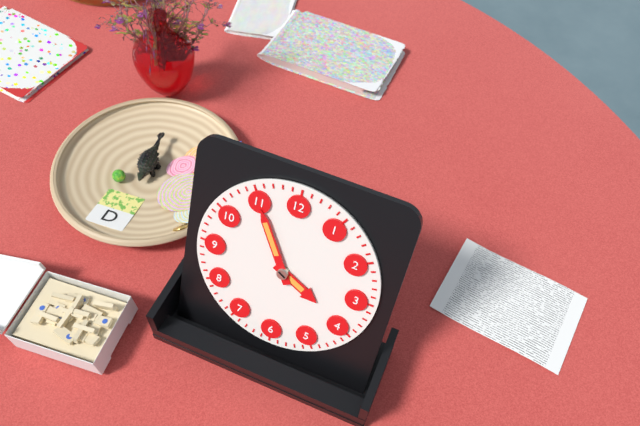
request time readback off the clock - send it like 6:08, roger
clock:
3:55
